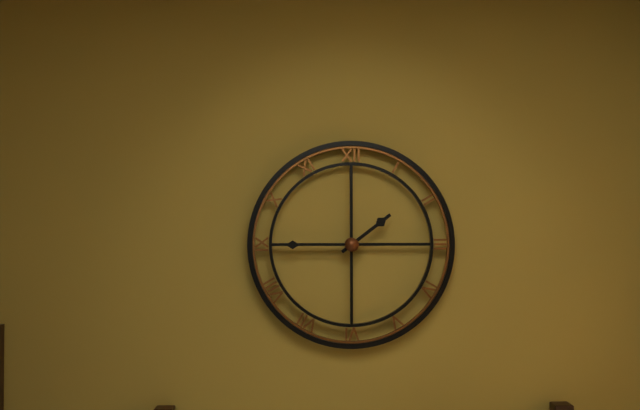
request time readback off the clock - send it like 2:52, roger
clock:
1:45
